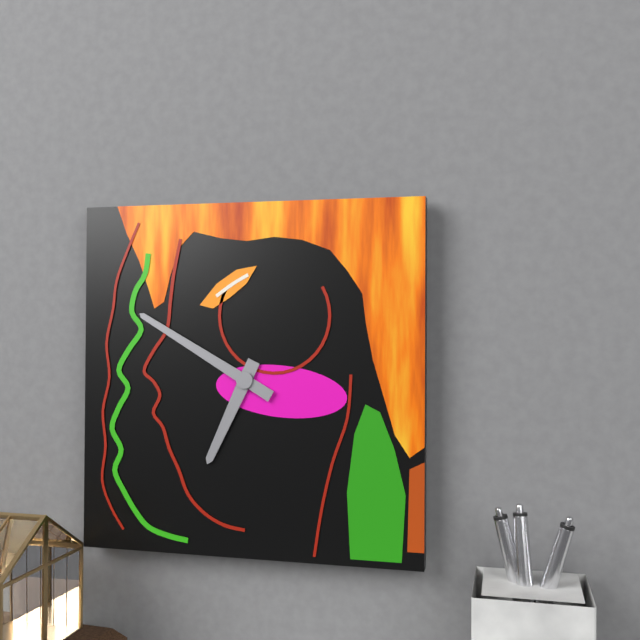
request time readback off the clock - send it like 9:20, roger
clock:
6:50
